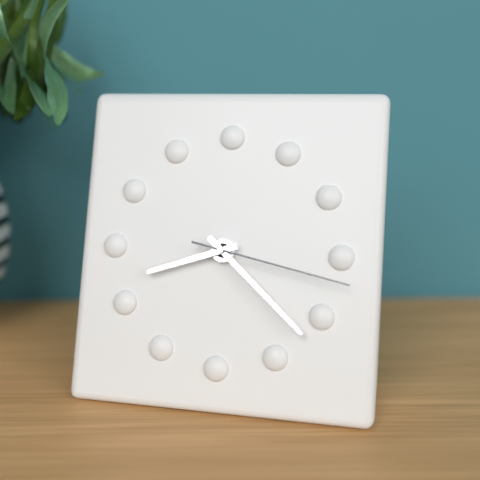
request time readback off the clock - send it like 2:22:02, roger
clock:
8:22:17
